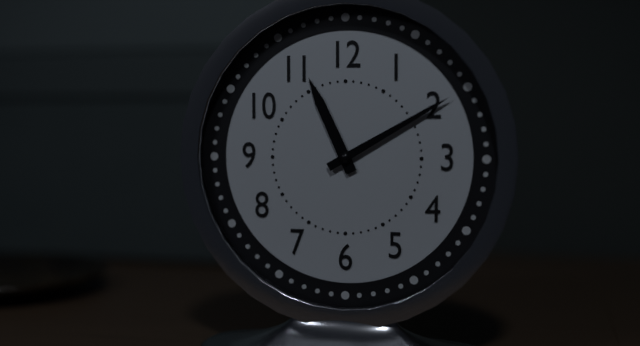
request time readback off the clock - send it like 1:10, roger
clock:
11:10
